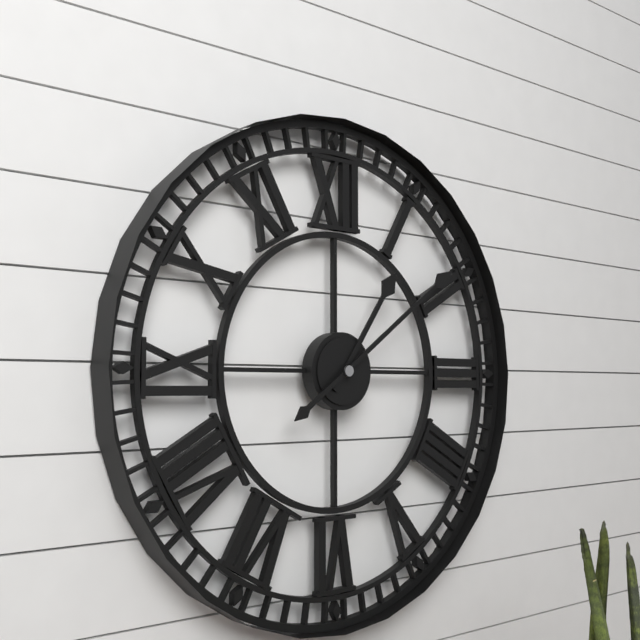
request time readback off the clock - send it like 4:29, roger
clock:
1:09
